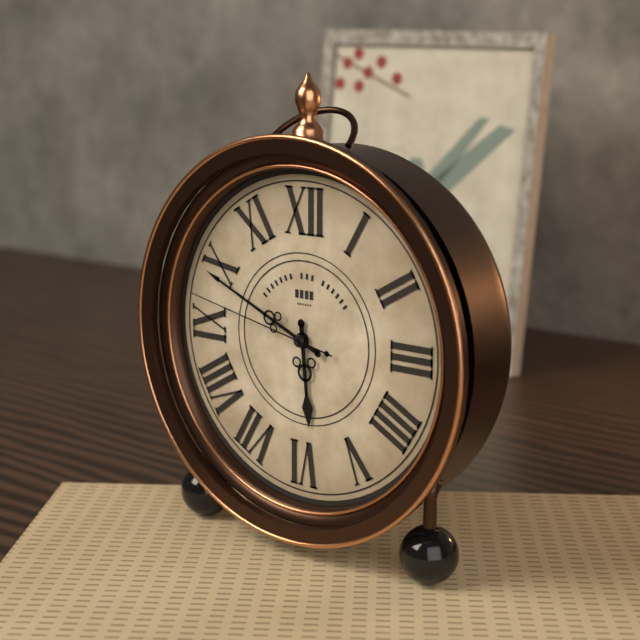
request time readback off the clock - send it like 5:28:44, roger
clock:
5:49:47
